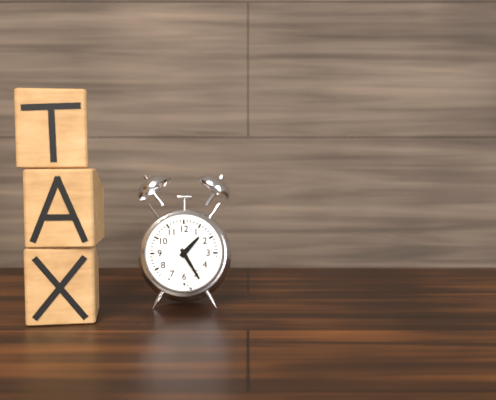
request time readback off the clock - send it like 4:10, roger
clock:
1:25
